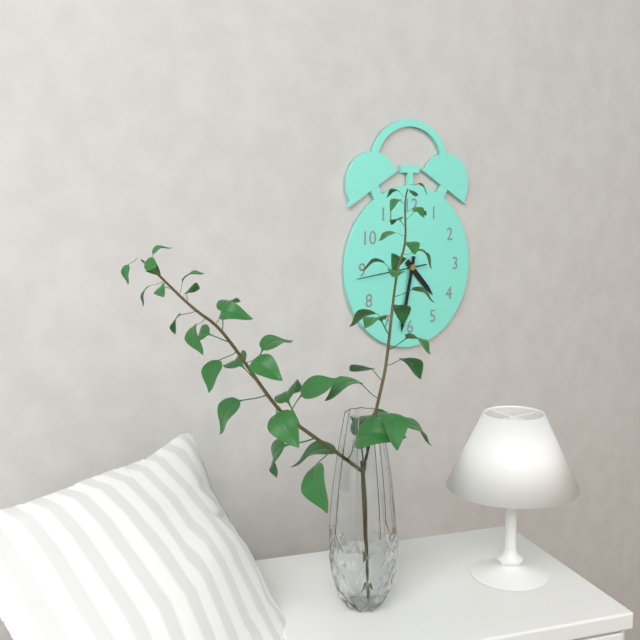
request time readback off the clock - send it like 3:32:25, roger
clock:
4:32:44
